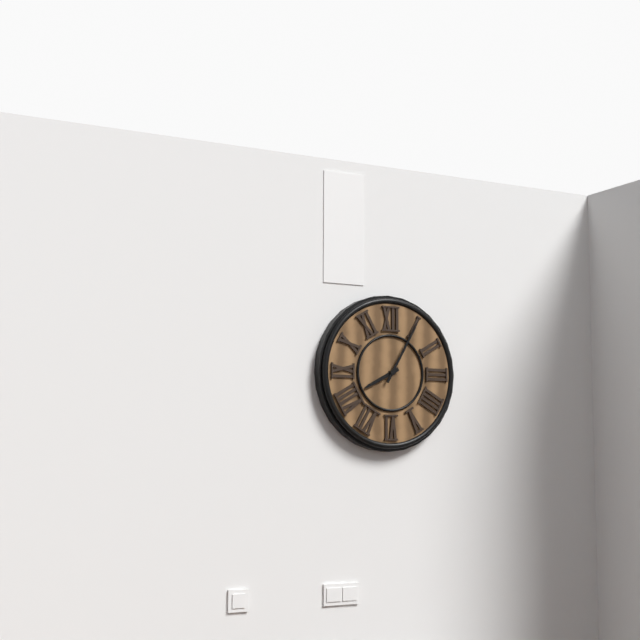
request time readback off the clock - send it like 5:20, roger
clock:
8:05
